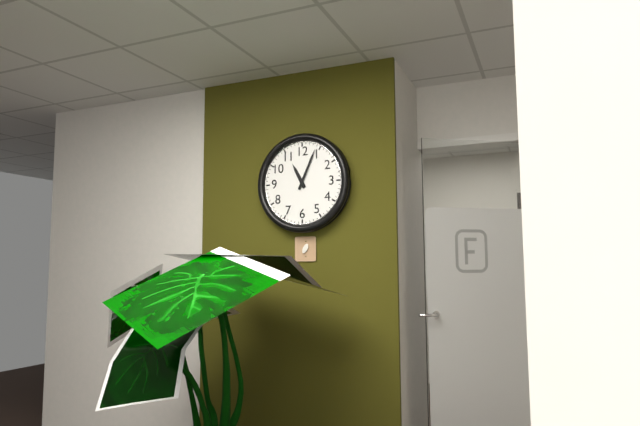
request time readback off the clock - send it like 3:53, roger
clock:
11:04
